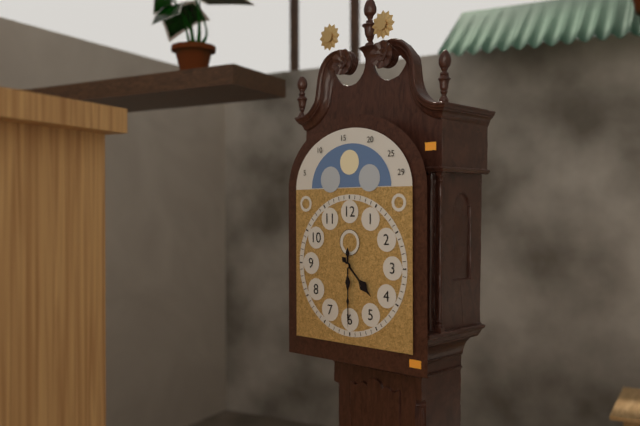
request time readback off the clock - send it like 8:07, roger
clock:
4:30
